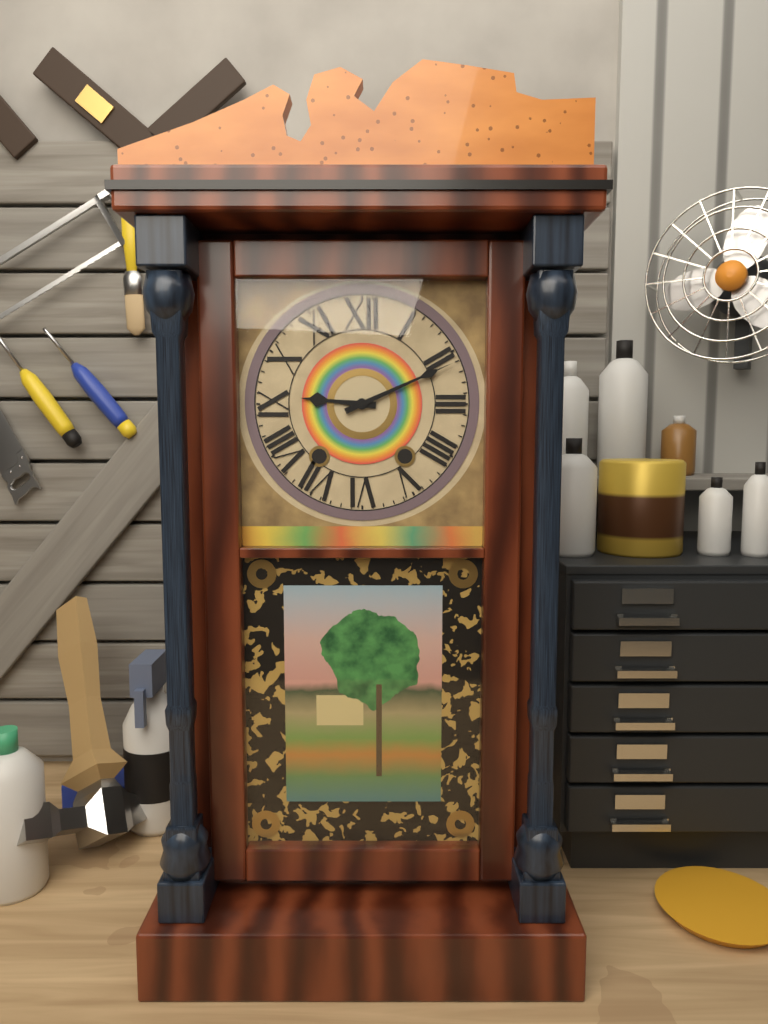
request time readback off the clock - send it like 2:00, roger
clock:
9:11
